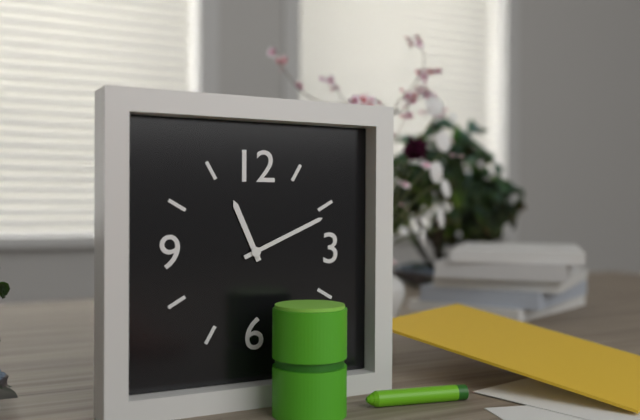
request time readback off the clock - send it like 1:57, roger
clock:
11:11
